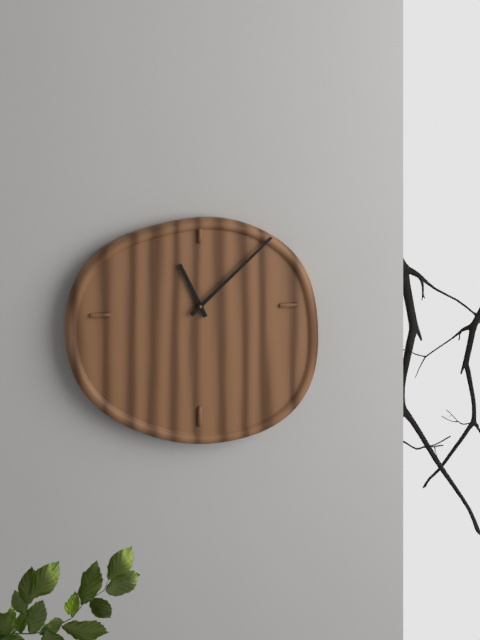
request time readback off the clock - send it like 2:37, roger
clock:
11:08
